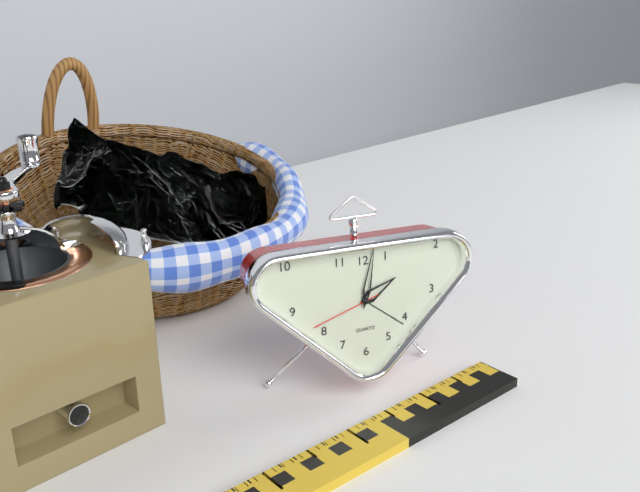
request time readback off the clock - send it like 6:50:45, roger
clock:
2:02:42
